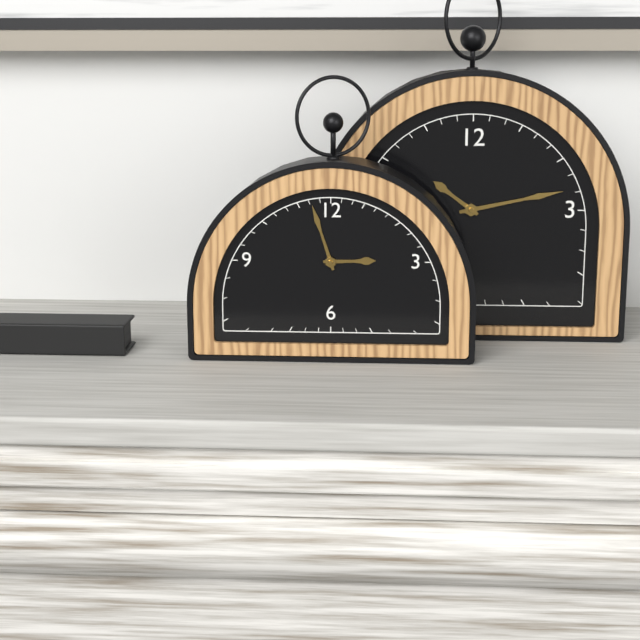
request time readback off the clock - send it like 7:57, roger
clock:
2:57
